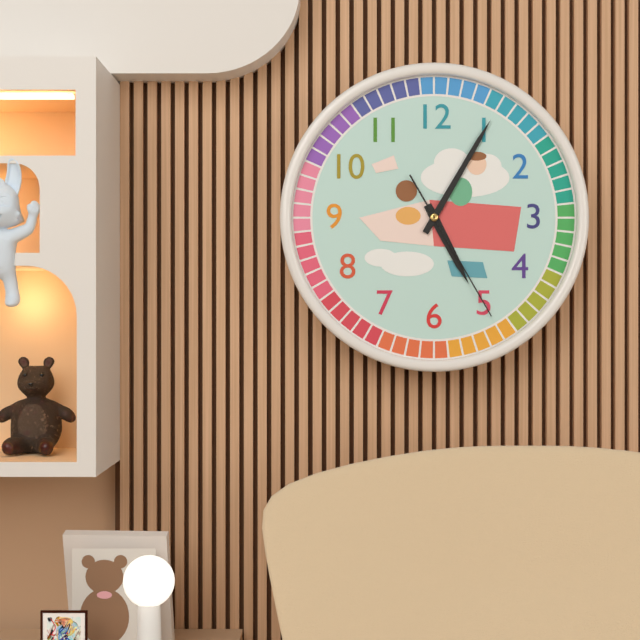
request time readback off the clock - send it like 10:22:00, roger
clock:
5:05:25
